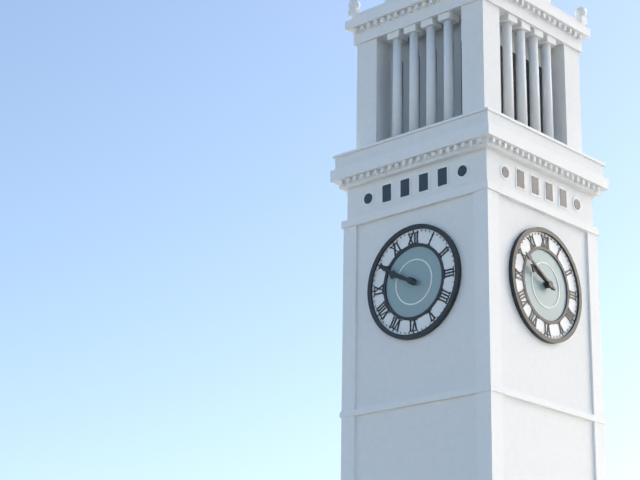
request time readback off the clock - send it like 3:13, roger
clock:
9:50
